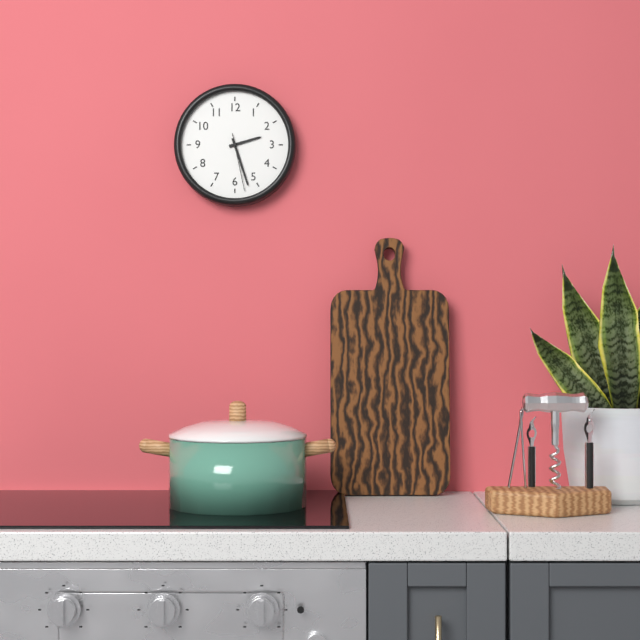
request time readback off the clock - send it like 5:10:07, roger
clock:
2:27:28
